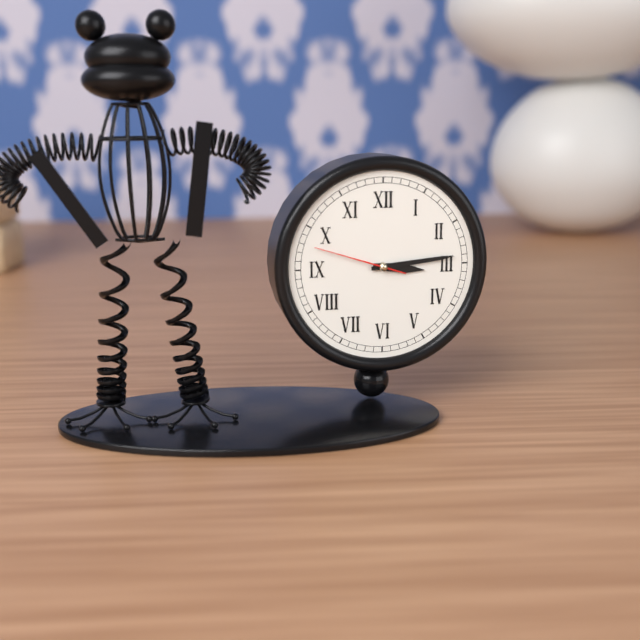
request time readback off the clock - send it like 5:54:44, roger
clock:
3:14:48
